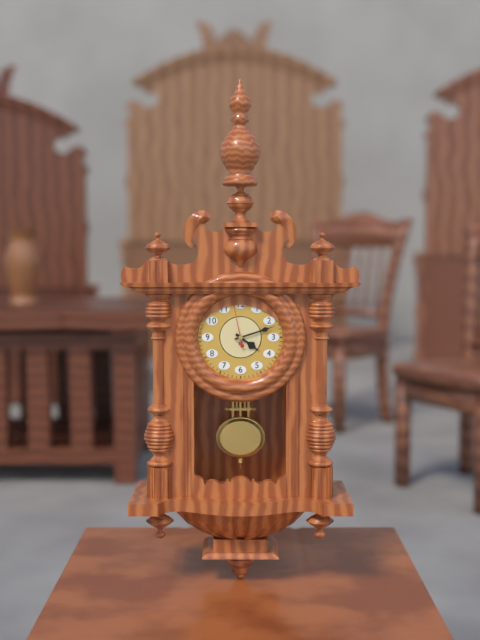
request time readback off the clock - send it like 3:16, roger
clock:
4:12
